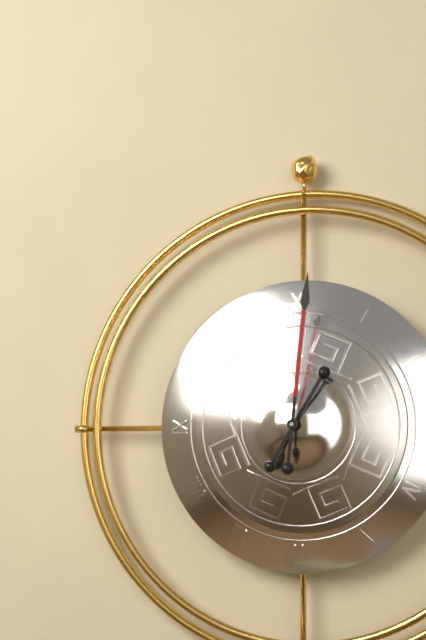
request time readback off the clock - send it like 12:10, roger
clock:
1:01
